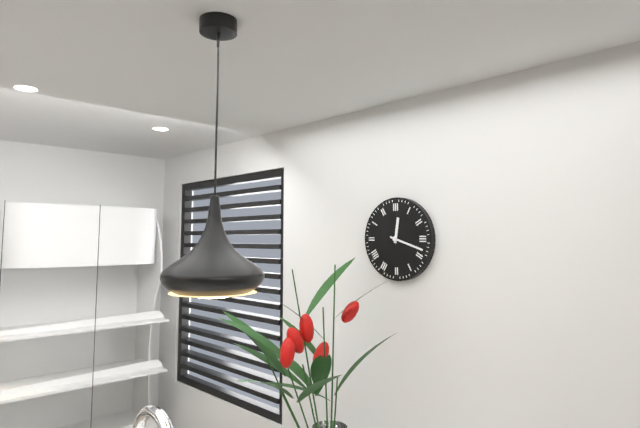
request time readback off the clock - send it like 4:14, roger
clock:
12:18
